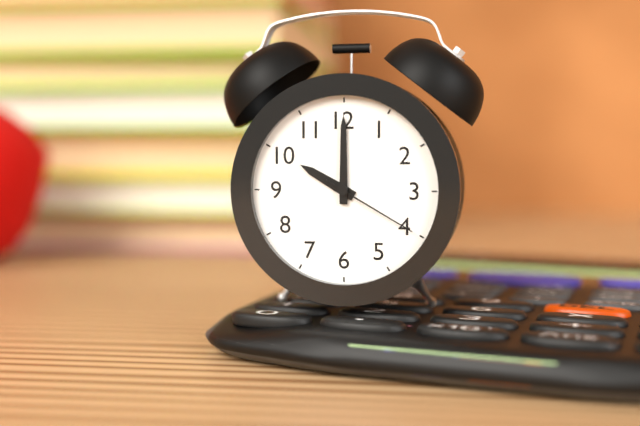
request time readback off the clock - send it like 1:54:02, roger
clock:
10:00:20
